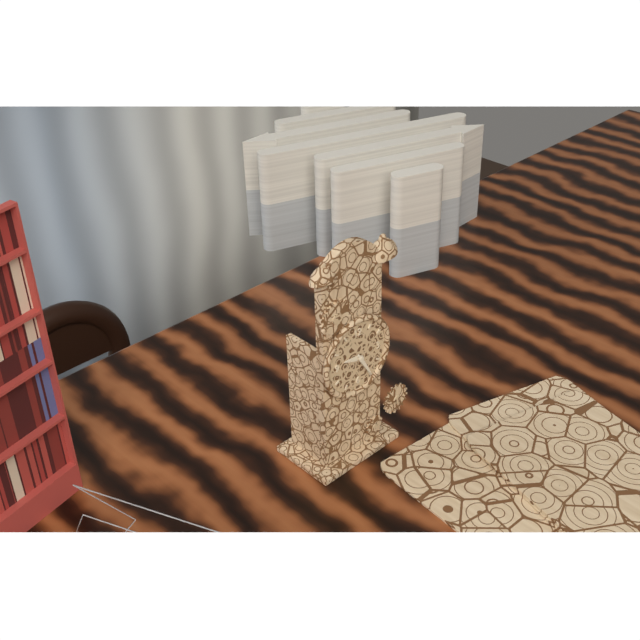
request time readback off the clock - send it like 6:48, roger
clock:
9:25
